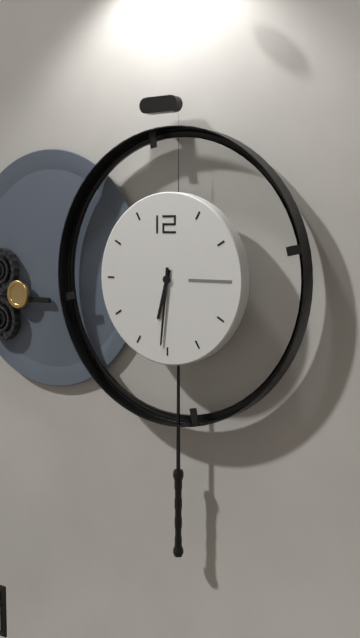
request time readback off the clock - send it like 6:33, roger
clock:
6:31
